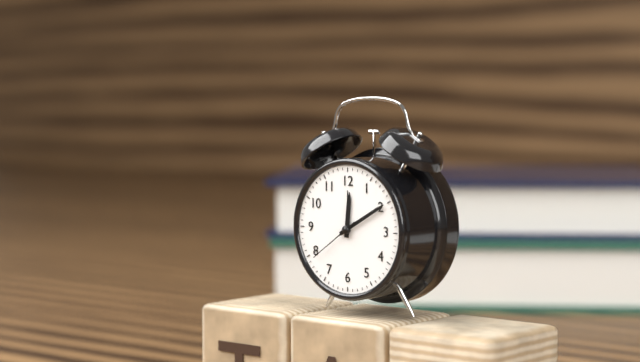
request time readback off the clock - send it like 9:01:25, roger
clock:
12:10:39
